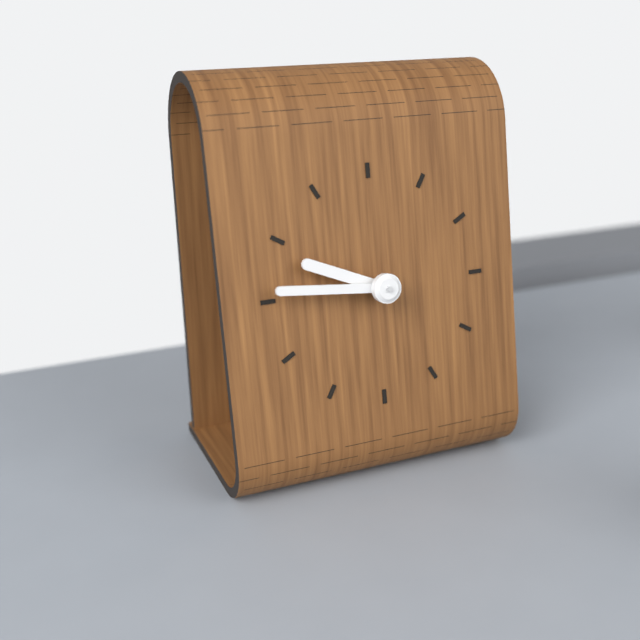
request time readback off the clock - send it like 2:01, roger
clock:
9:46
